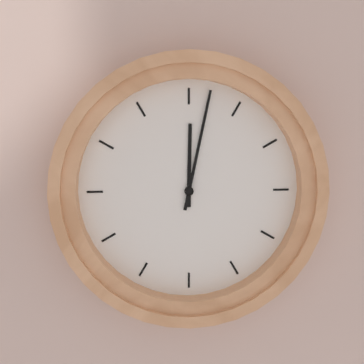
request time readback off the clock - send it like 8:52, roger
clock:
12:02
